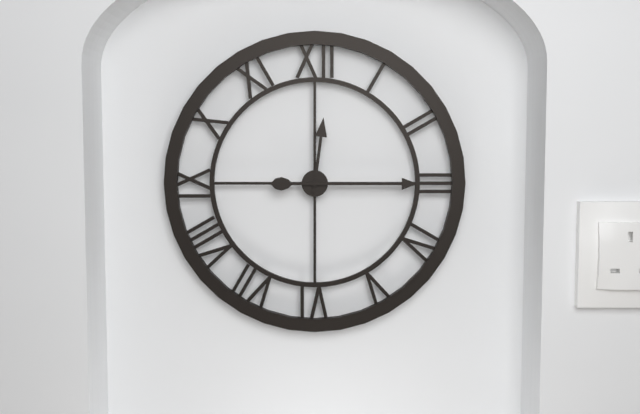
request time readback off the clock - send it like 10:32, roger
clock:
12:15
